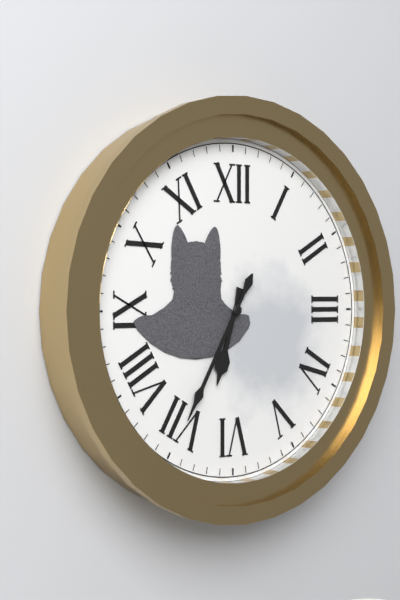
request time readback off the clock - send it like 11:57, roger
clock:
6:35
